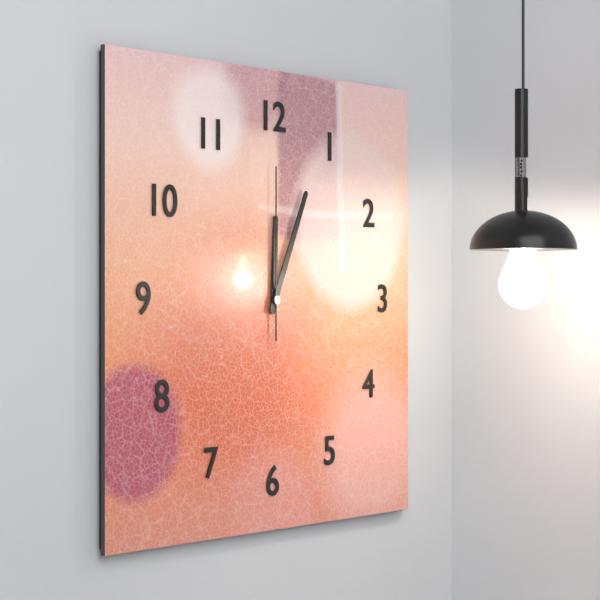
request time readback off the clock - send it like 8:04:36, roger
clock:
12:04:00
